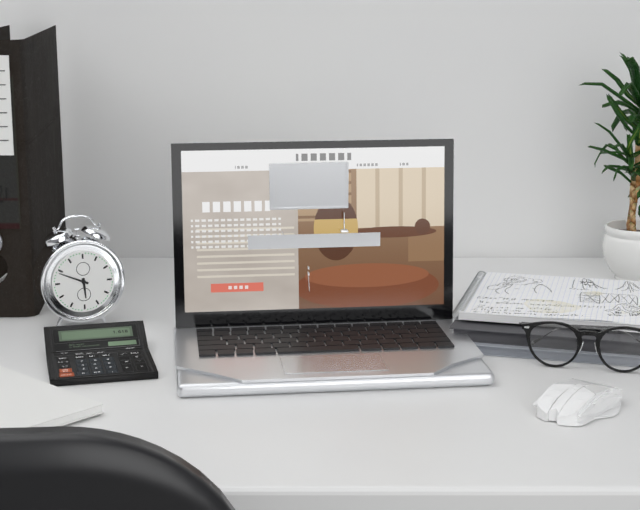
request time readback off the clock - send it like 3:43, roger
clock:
5:49
